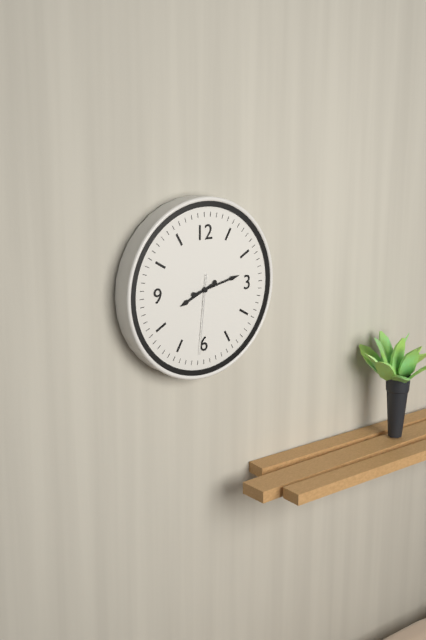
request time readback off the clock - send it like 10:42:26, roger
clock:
8:13:31
